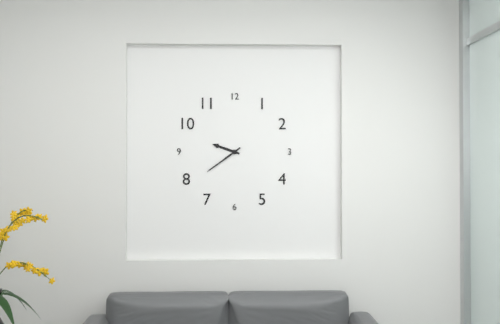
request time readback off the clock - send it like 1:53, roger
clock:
9:39
